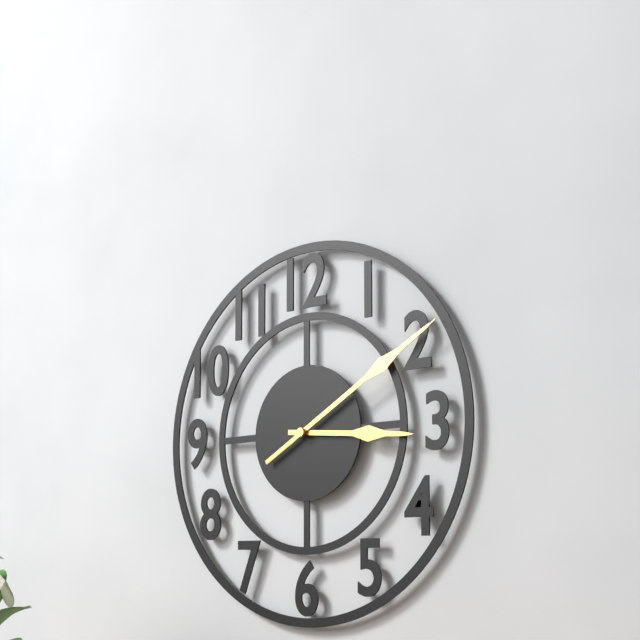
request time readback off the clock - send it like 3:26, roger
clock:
3:10
